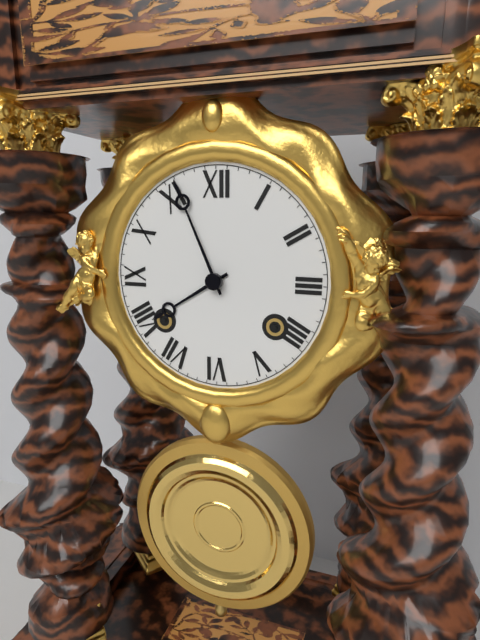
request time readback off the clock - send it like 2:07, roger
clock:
7:56
